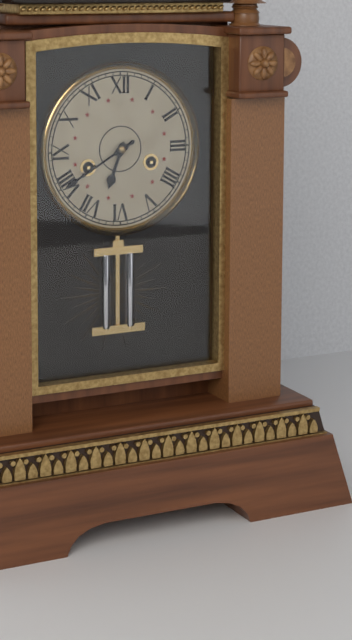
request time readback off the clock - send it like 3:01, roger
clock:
6:40
